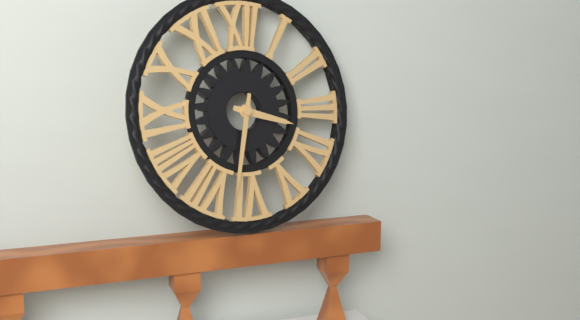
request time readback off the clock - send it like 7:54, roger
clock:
3:32
